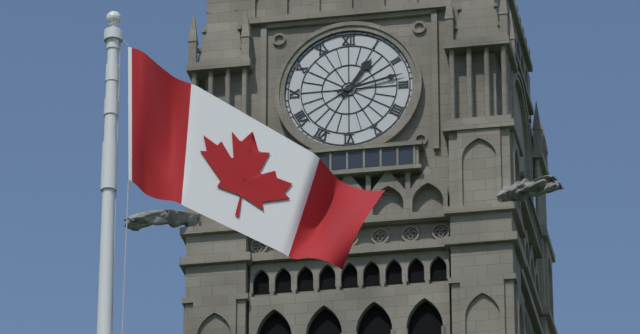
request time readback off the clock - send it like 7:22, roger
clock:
1:13
